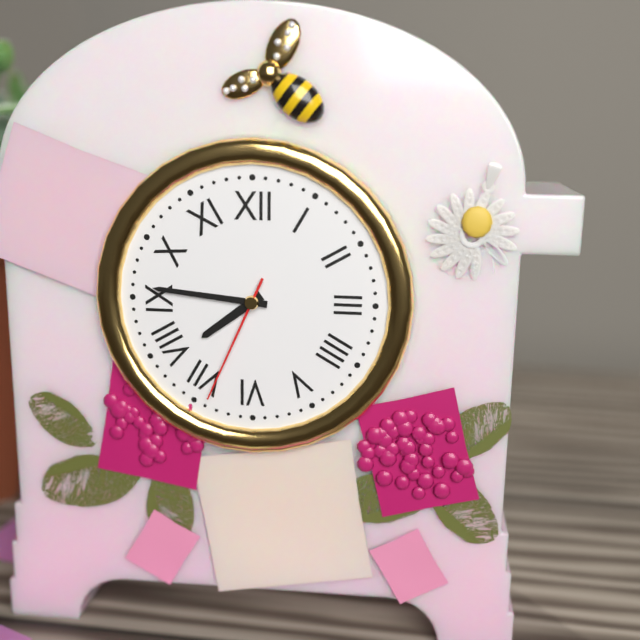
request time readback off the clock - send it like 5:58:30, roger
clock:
7:46:34
